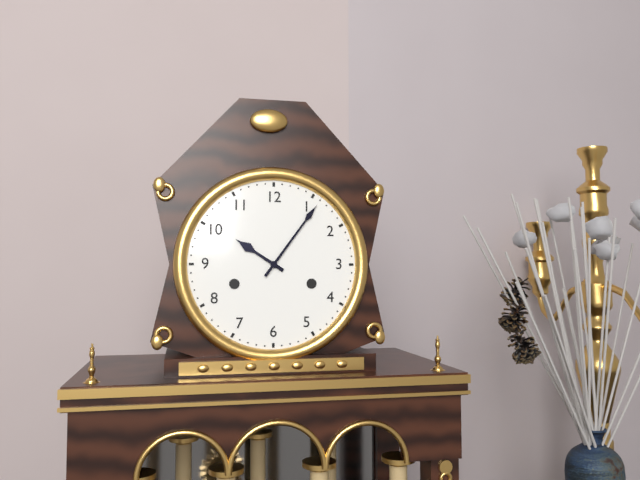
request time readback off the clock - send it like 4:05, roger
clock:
10:06
